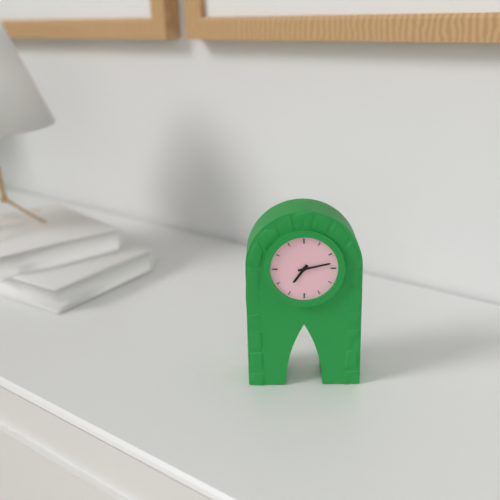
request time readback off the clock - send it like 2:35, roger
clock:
7:13
